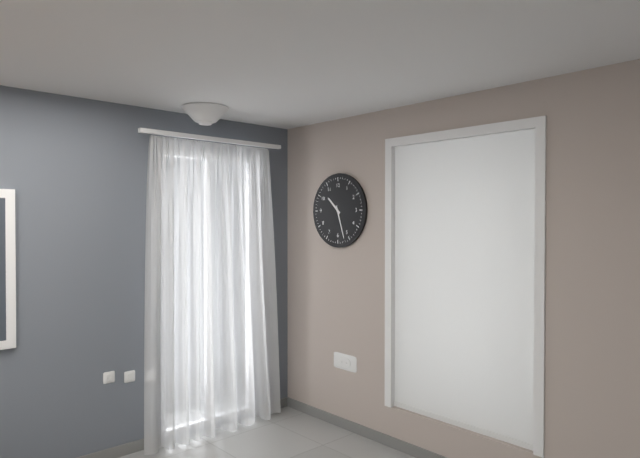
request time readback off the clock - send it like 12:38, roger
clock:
10:27
